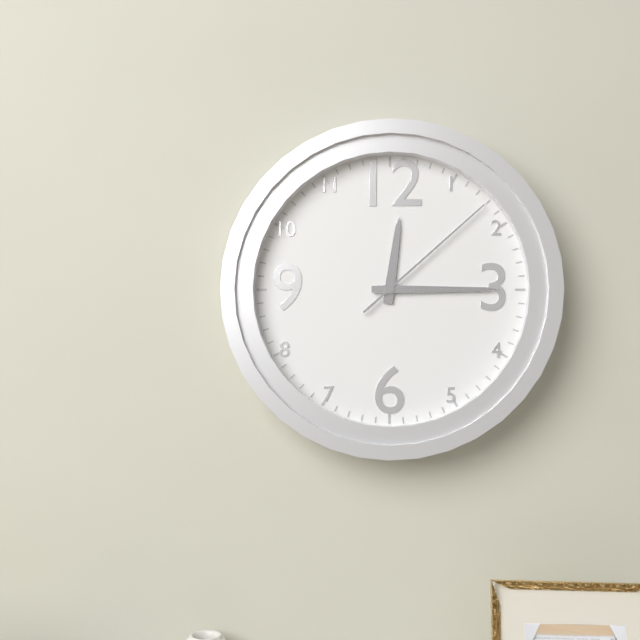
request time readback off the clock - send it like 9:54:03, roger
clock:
12:15:08
